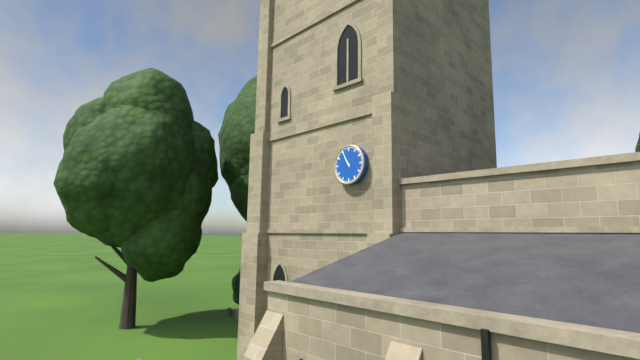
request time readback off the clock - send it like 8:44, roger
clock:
10:55
